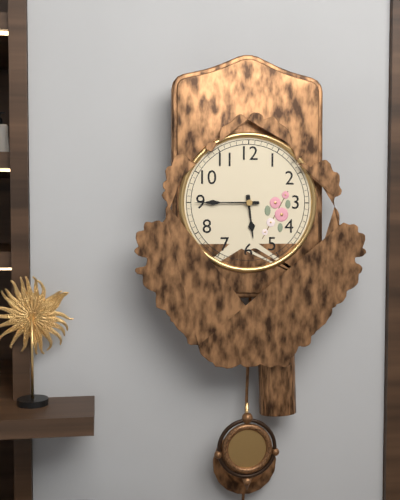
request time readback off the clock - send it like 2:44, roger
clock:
5:45
